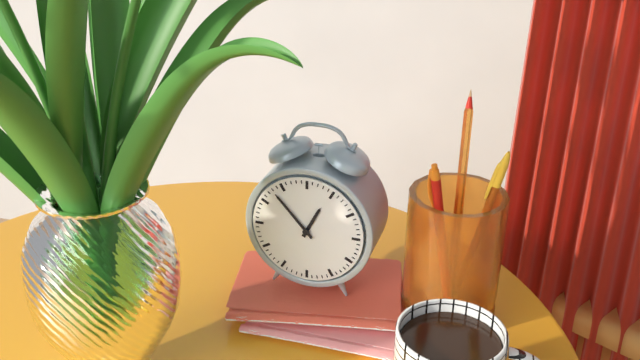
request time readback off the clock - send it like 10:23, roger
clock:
12:53
